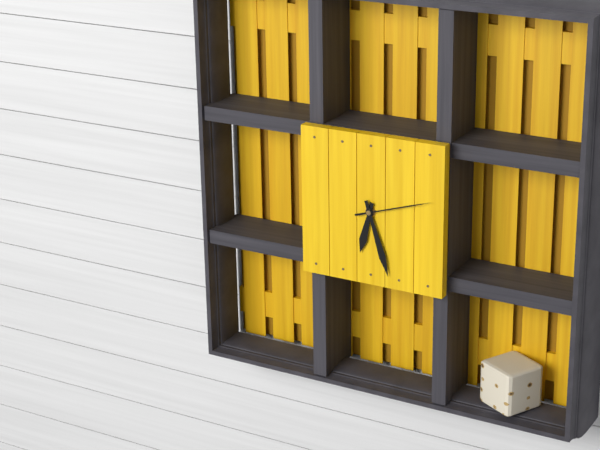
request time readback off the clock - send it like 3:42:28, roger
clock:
6:27:12
